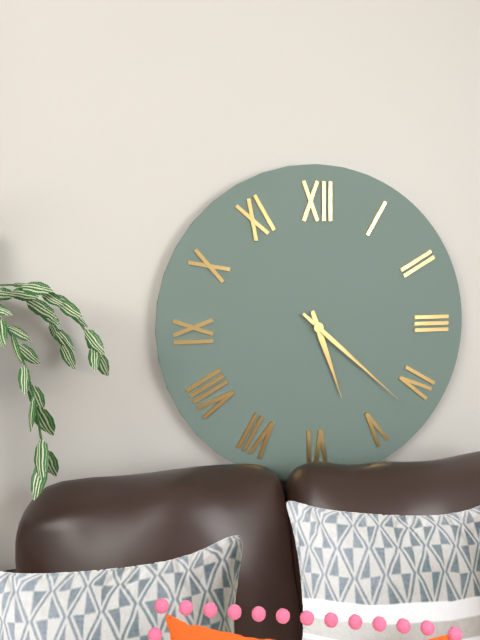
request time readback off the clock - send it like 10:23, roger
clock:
5:22
